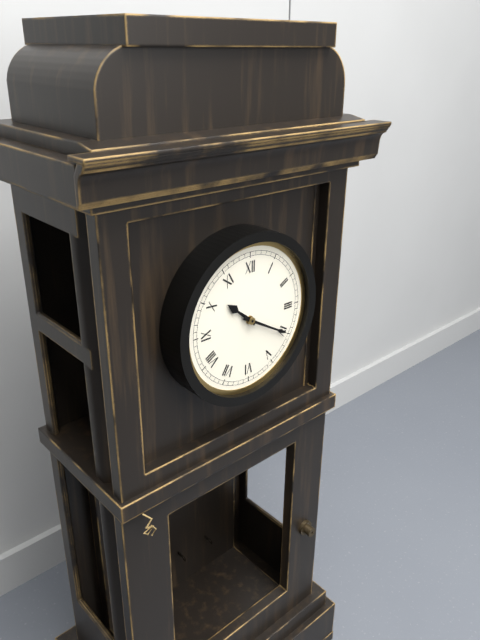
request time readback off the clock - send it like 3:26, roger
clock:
10:20
